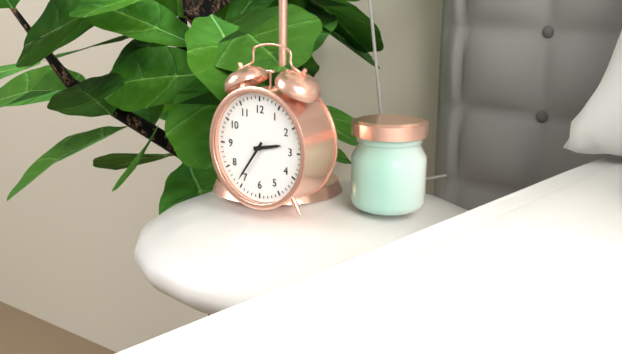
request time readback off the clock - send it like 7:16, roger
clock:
2:36
